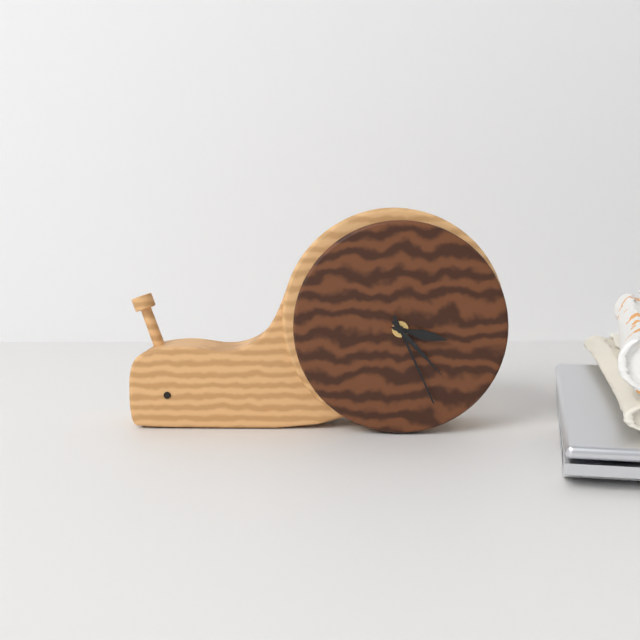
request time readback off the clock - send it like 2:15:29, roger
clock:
3:26:23
